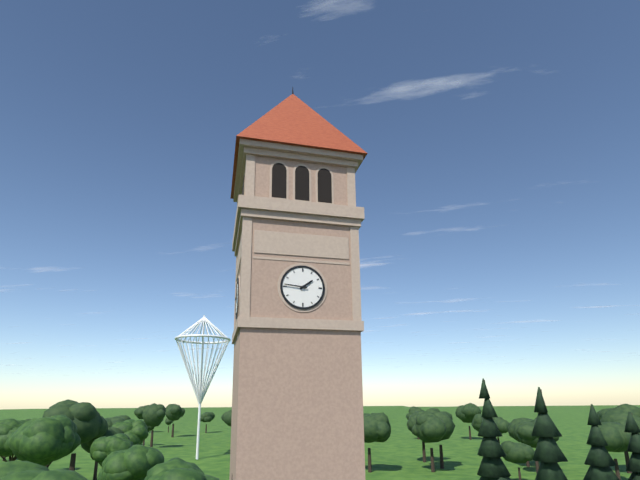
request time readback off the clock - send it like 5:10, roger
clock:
1:46
